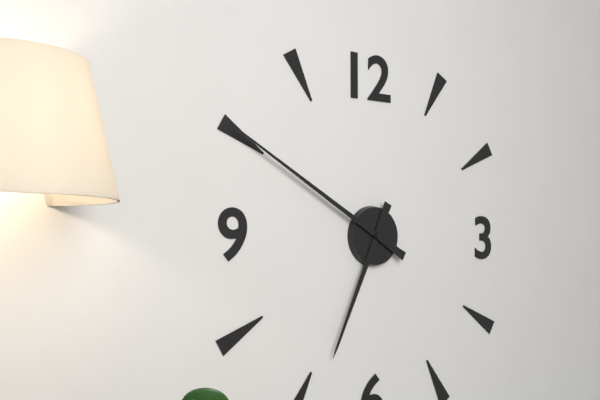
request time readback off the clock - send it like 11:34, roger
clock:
6:50
